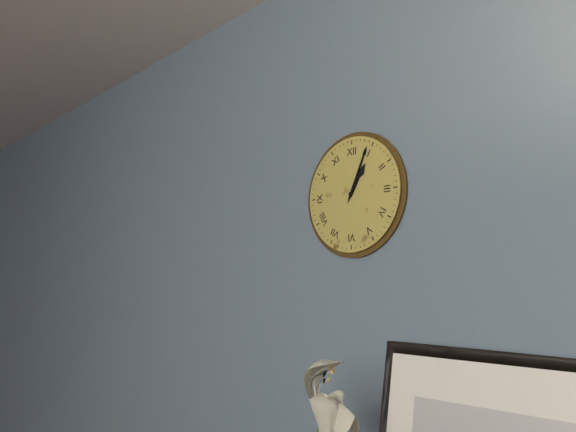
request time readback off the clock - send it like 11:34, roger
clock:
1:04
